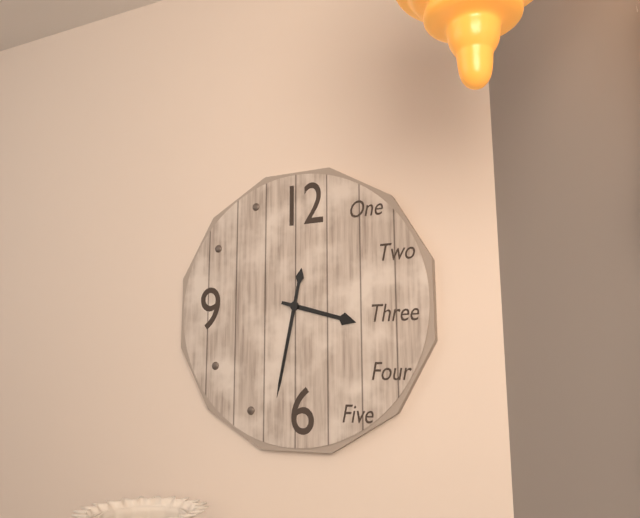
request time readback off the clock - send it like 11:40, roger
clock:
3:32
